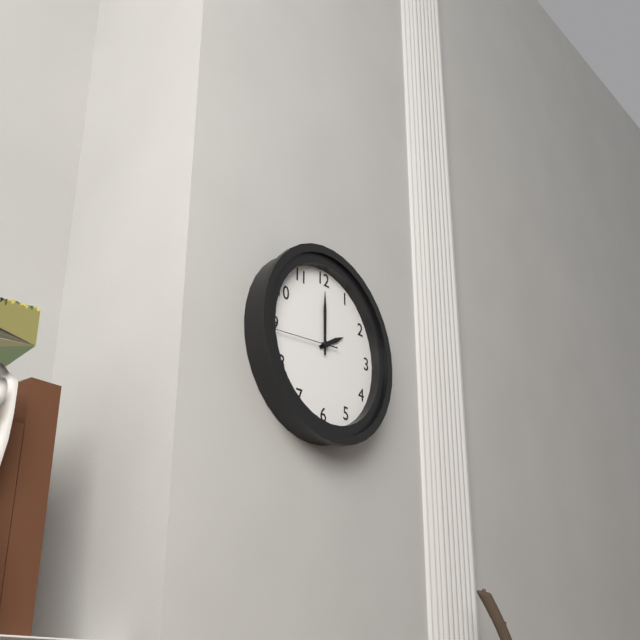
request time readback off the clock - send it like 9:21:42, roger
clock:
2:00:44
